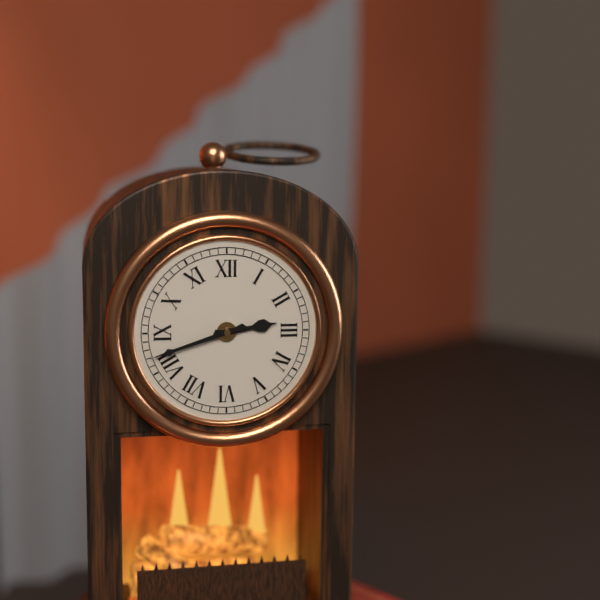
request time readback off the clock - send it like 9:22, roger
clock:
2:42
